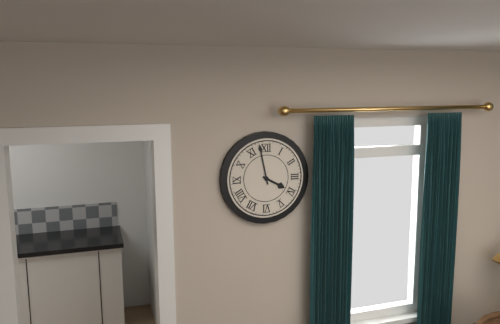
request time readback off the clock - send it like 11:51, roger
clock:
3:58
